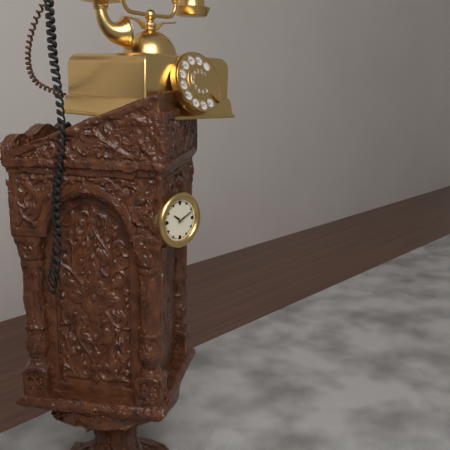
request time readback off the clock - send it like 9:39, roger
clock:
10:11
